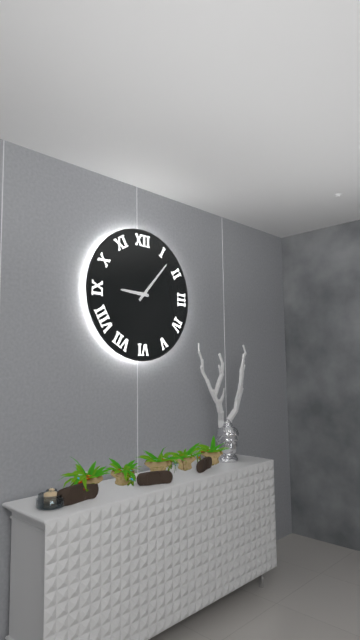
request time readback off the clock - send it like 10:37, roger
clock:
9:07
